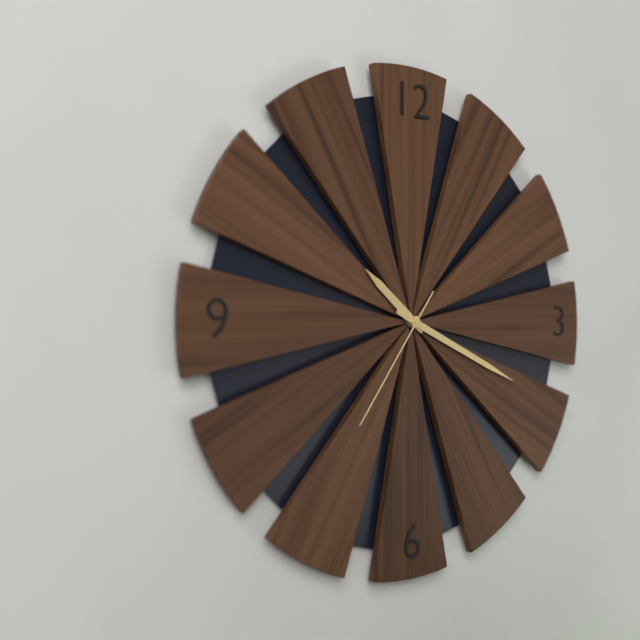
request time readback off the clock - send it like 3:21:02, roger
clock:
10:19:36
